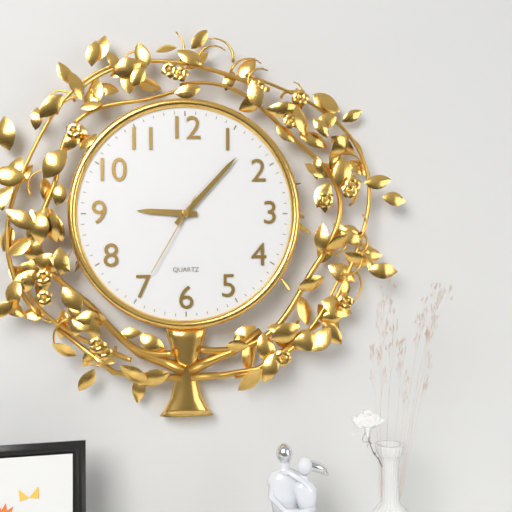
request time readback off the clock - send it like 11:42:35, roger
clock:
9:07:35
